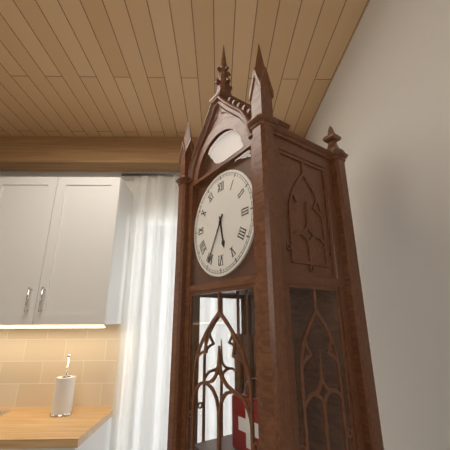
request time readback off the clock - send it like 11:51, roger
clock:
5:35
